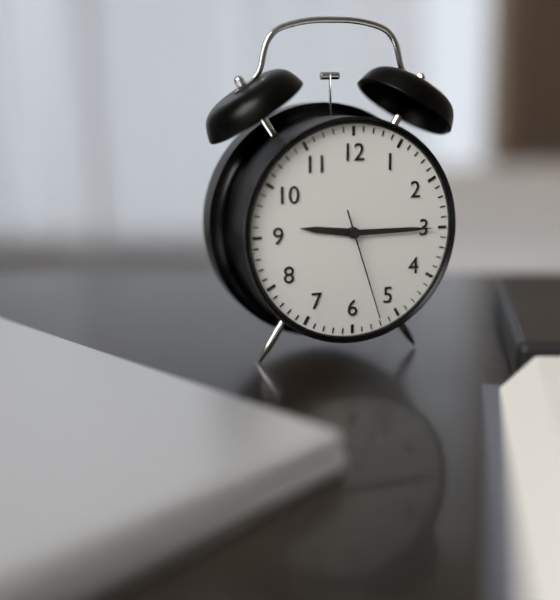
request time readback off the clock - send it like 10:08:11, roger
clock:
9:15:27
